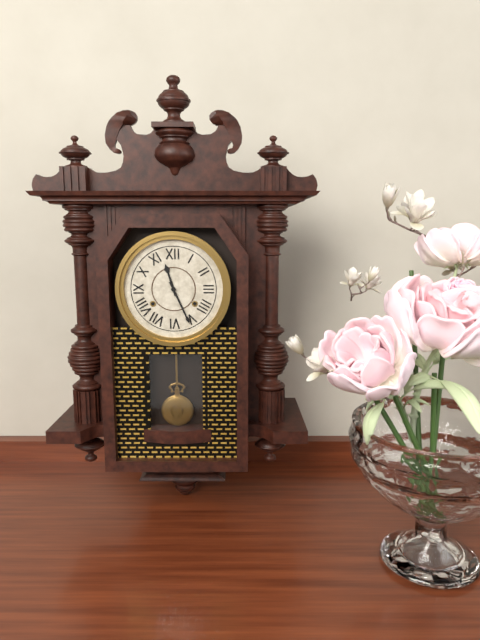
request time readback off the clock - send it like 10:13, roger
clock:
11:26
